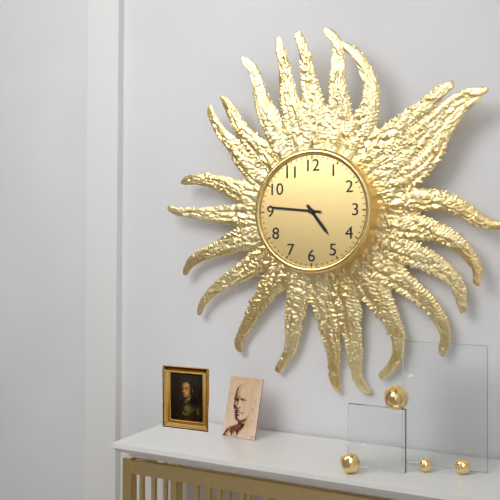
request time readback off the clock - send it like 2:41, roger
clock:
4:46
